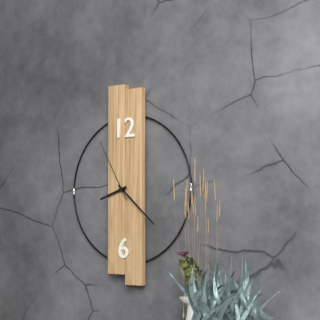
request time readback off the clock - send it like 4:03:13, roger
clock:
8:22:55
